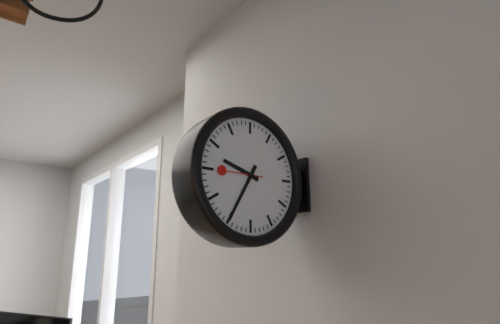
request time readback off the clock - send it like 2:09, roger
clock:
9:35
